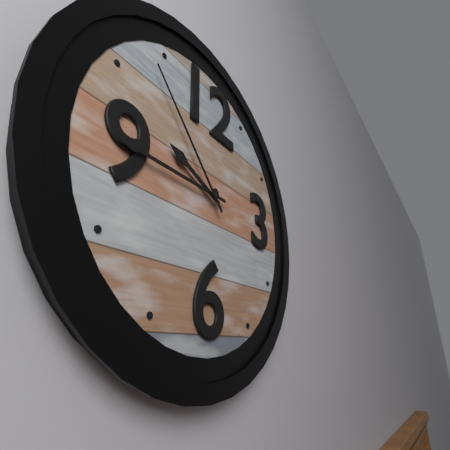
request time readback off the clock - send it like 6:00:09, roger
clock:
9:45:53
